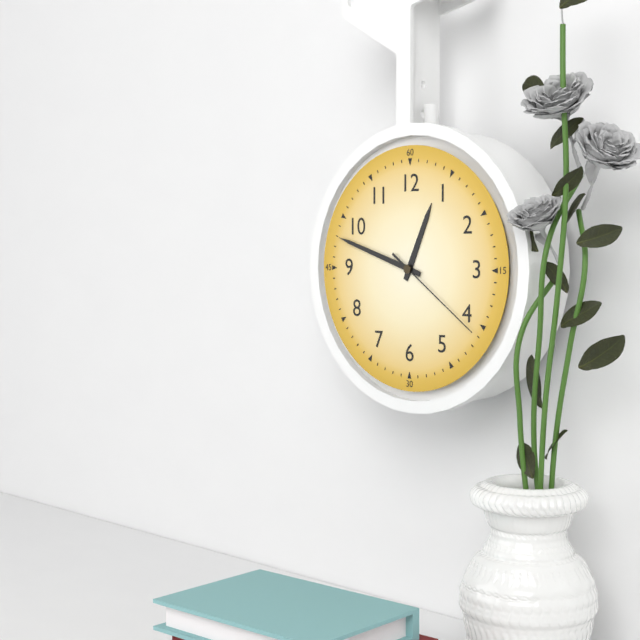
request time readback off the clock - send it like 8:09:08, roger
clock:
12:48:21
